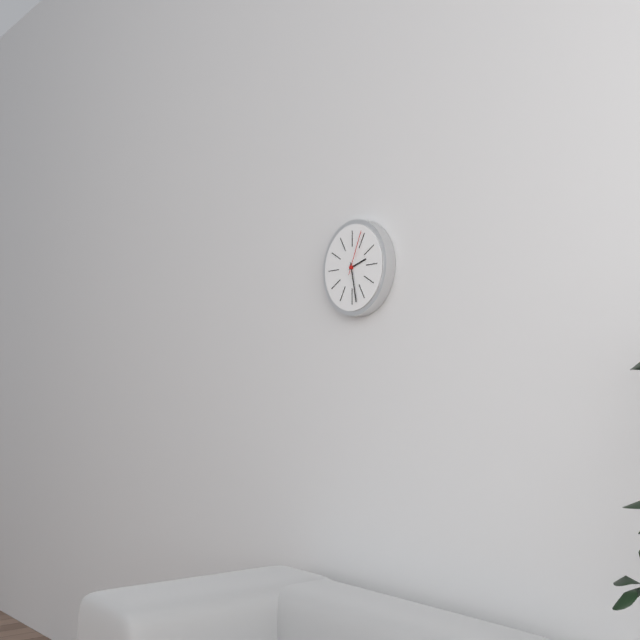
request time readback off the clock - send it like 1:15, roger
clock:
2:28
